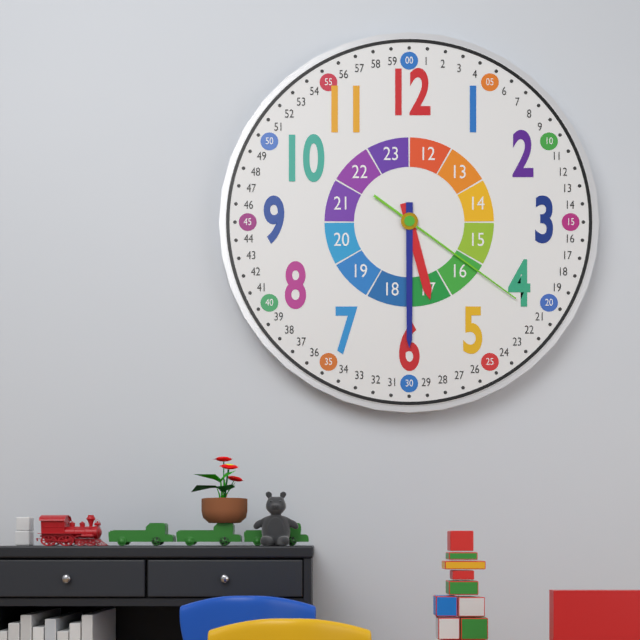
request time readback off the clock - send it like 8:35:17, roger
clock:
5:30:21
